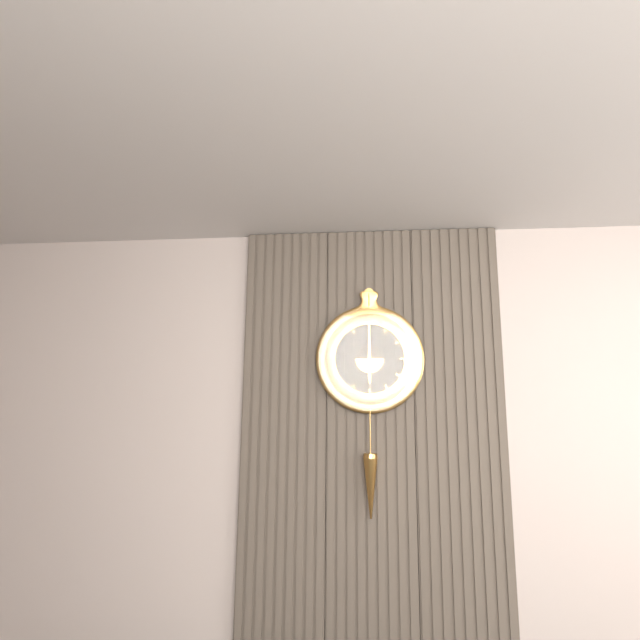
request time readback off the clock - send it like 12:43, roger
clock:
6:00
